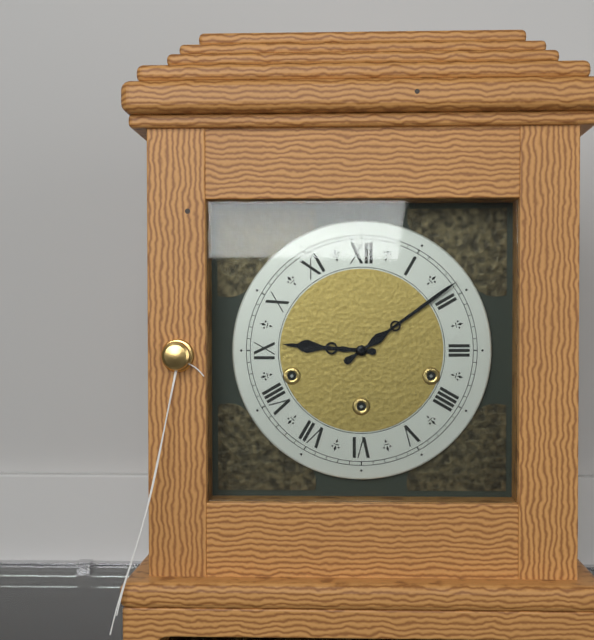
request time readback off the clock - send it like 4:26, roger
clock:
9:09
